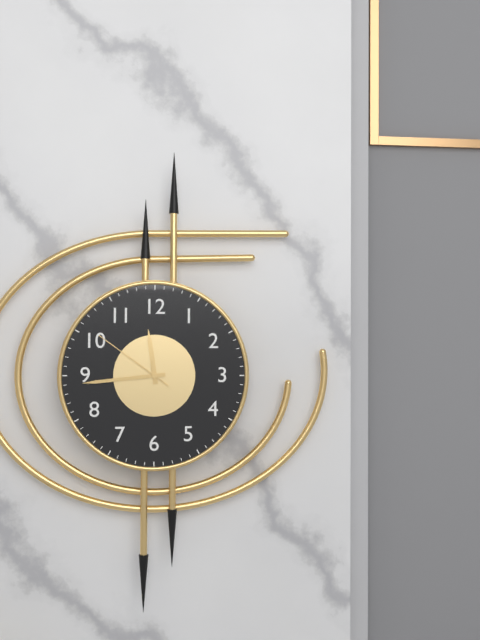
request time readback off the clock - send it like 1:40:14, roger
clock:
11:44:51
